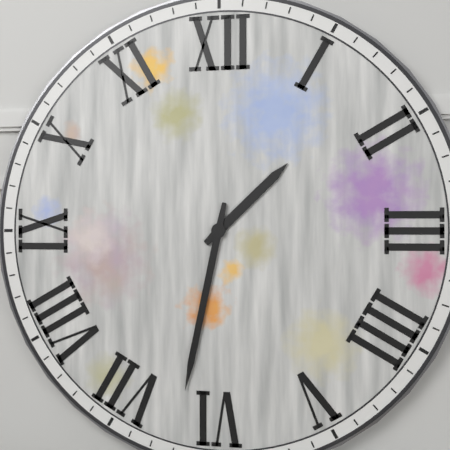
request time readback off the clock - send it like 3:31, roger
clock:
1:32
